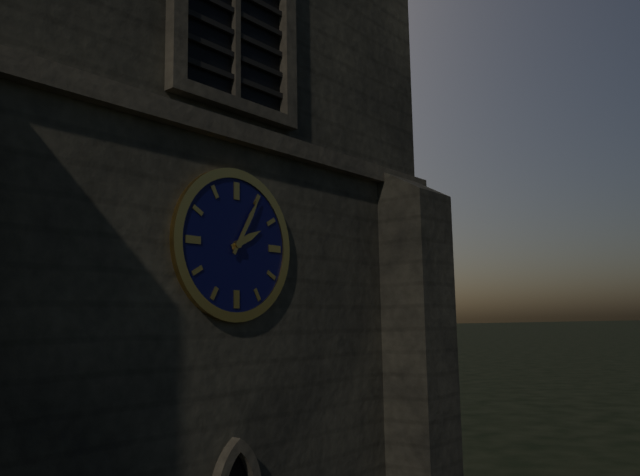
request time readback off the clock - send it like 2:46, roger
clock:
2:05
